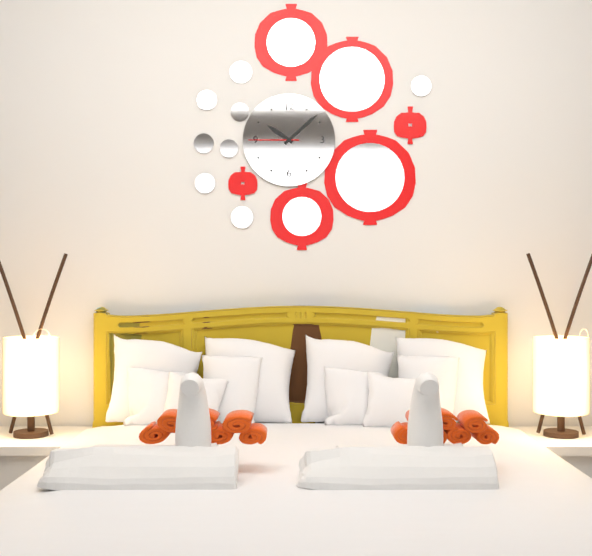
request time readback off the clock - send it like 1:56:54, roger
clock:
10:08:45
